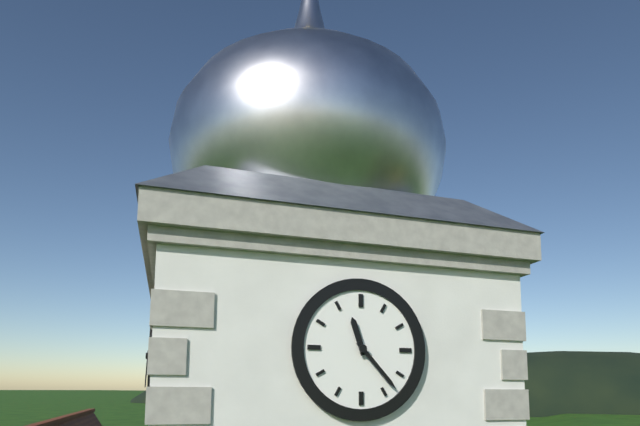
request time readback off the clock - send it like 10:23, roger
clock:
11:23
